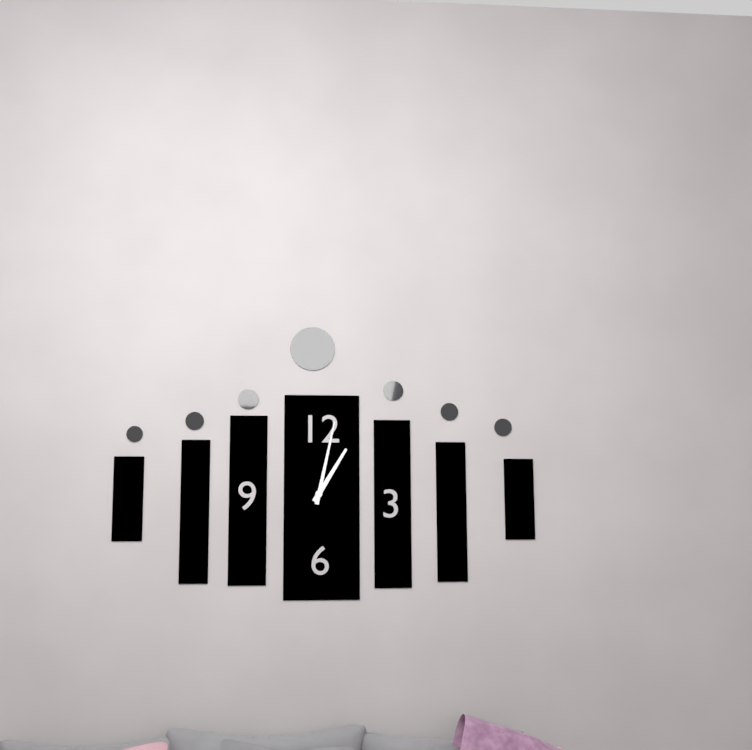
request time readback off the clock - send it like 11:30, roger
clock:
1:02
